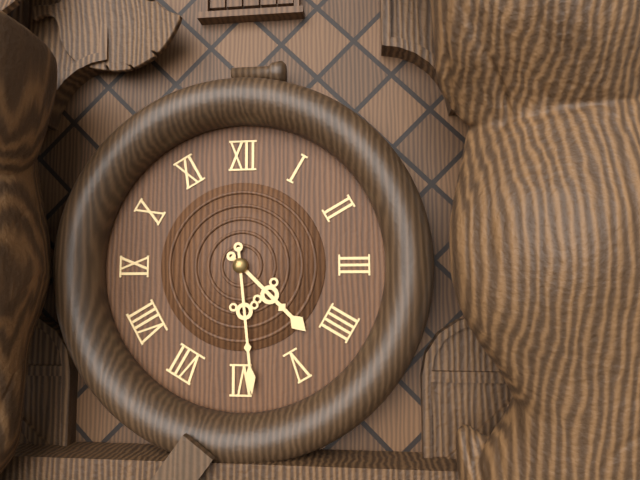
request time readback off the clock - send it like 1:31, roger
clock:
4:29
